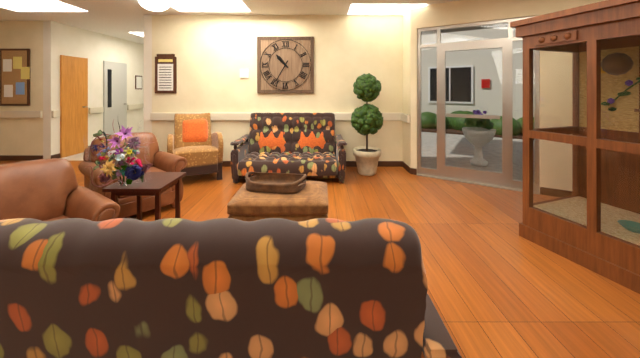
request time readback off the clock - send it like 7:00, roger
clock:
10:35
